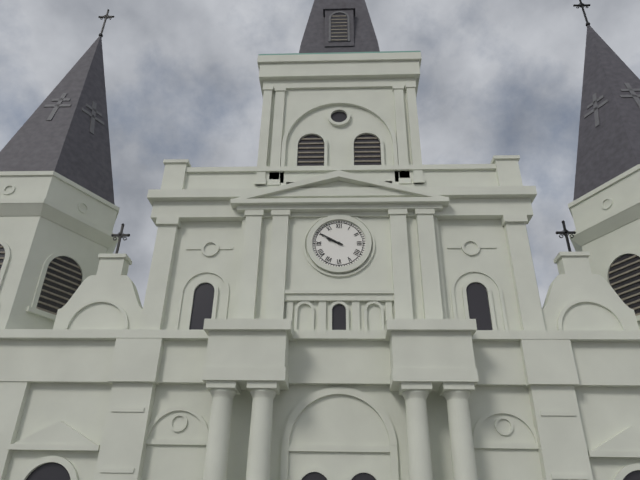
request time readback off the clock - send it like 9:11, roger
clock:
9:50
